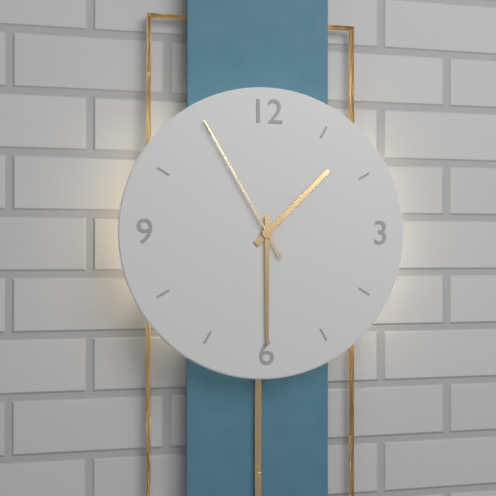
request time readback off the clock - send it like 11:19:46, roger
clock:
1:30:55
